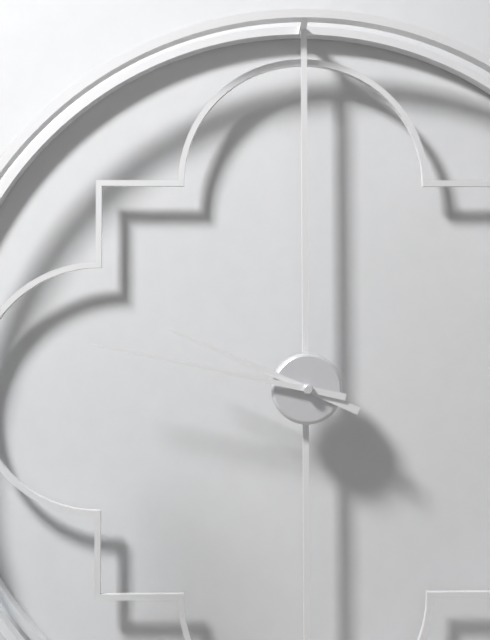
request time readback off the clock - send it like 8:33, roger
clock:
9:47
